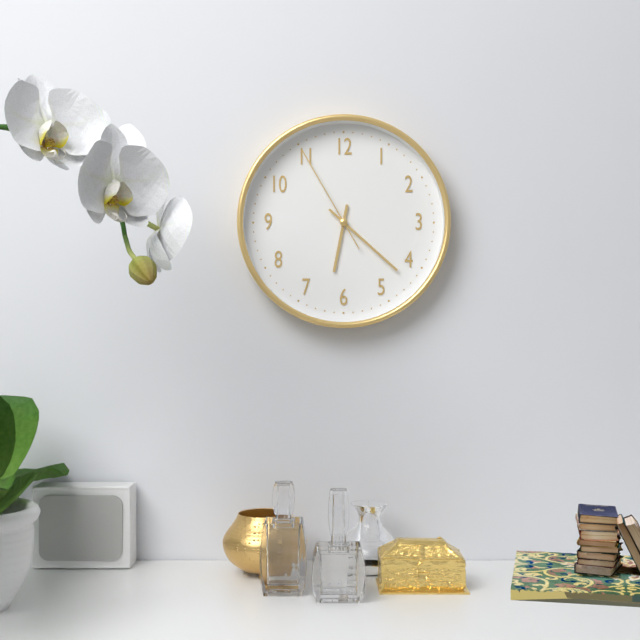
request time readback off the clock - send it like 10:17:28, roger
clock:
6:22:55
